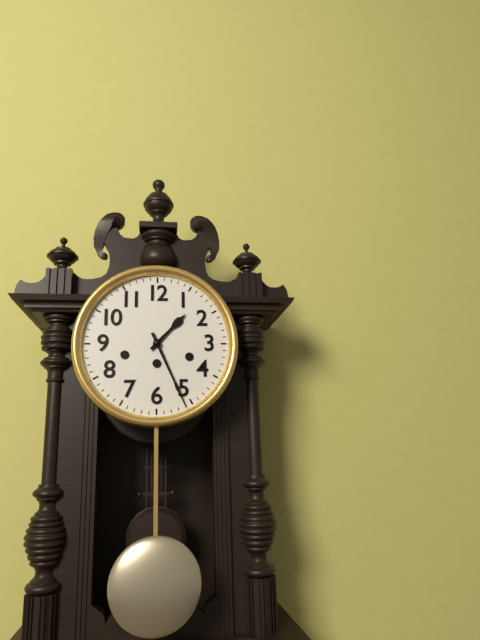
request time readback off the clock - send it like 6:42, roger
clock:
1:26
